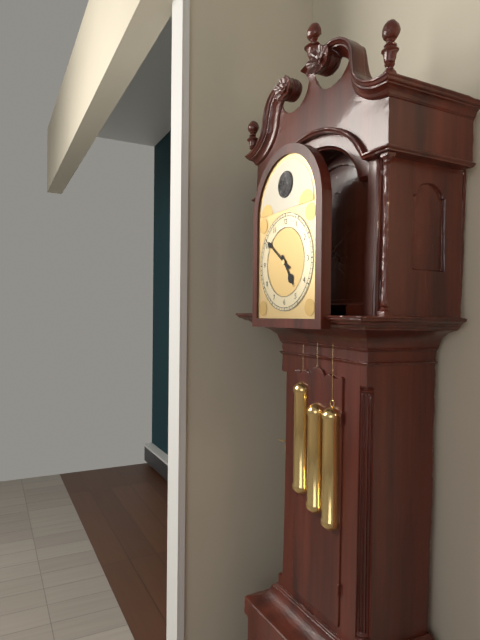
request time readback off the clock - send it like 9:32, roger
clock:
4:51
